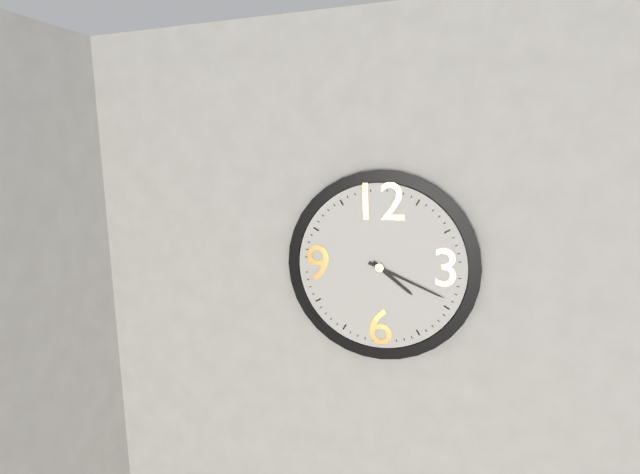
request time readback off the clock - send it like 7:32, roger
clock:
4:19
